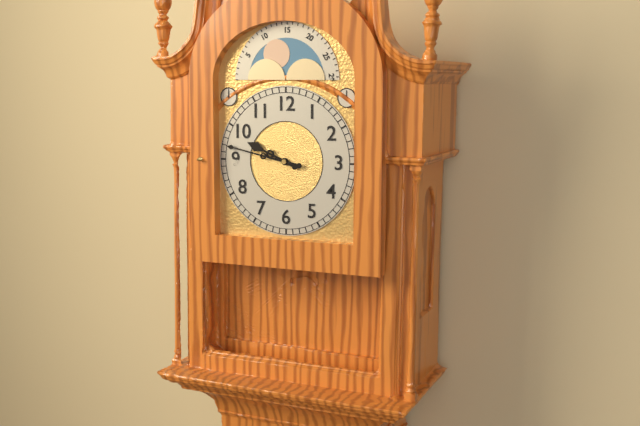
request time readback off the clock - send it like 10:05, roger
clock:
9:47
